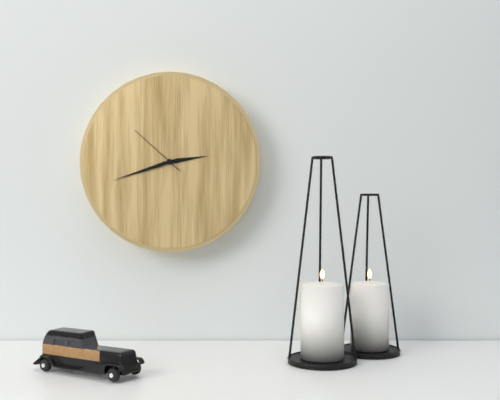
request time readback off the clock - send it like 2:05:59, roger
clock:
2:42:52
